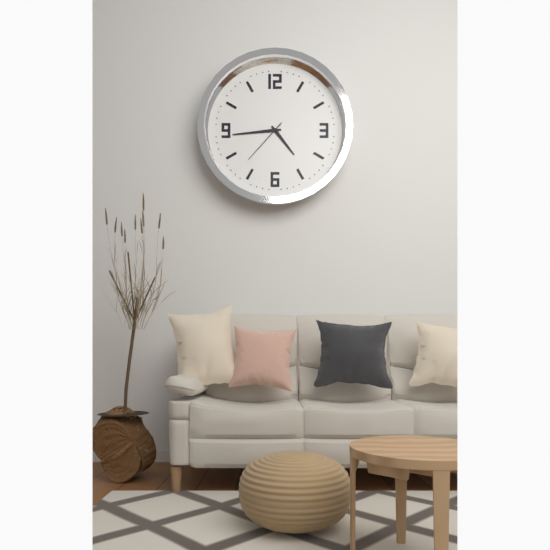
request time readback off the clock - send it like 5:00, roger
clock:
4:44
